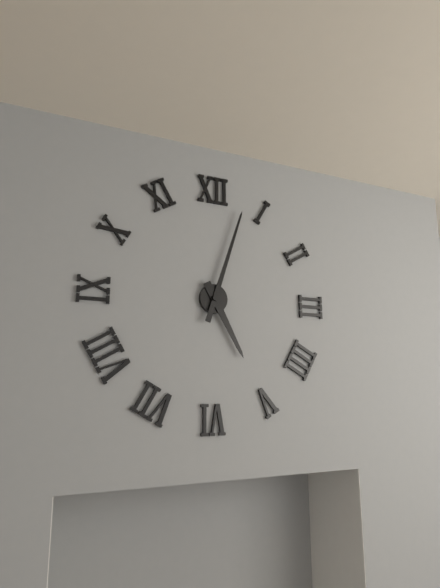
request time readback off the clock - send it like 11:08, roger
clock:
5:03
